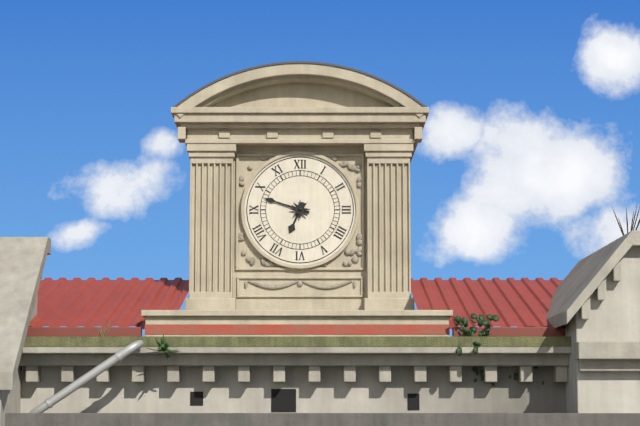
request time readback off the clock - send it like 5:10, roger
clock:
6:48
